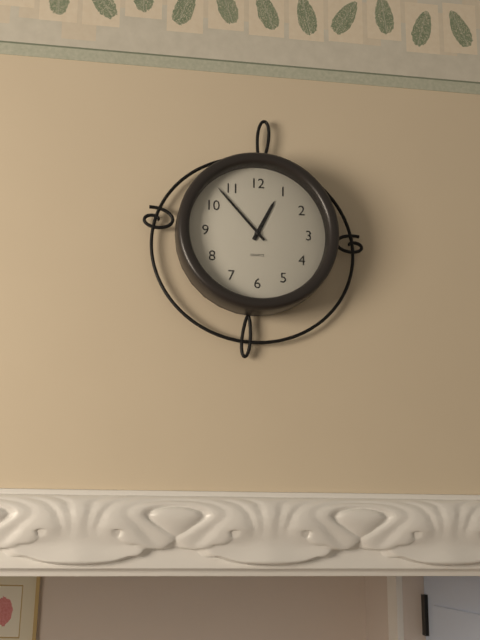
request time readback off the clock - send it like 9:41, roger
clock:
12:53
